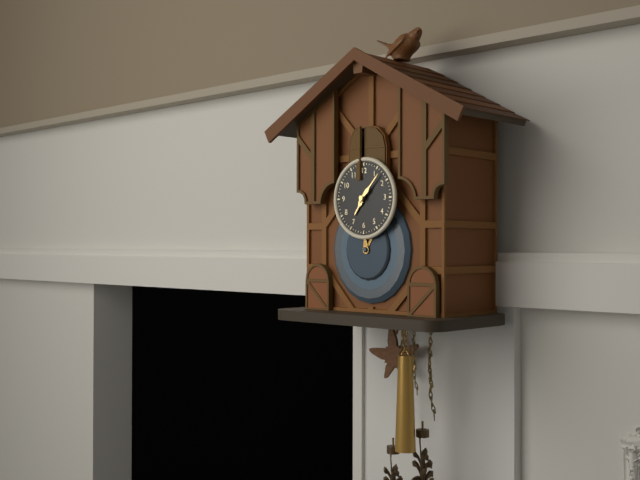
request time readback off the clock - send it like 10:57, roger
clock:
7:07
